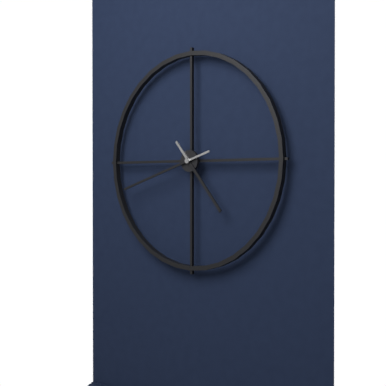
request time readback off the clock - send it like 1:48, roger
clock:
4:42
